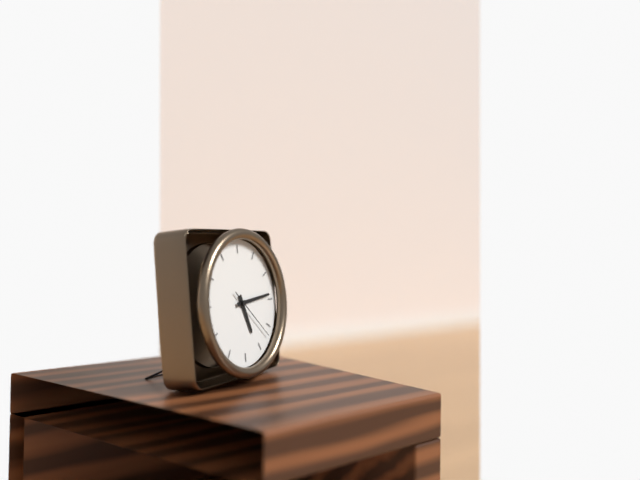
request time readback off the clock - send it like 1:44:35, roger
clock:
5:14:22
